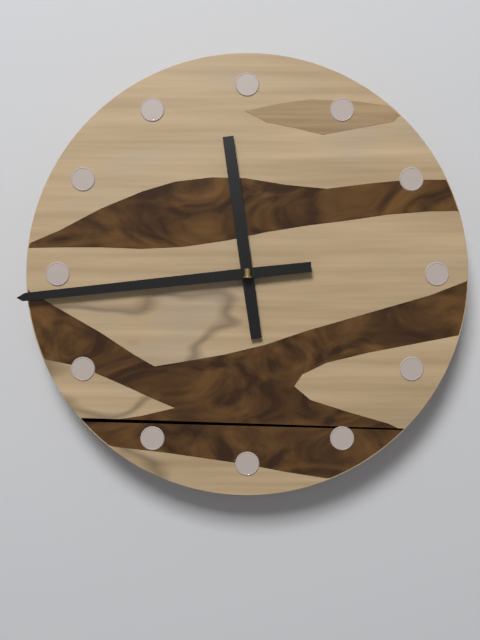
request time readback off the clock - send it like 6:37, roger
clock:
11:44
